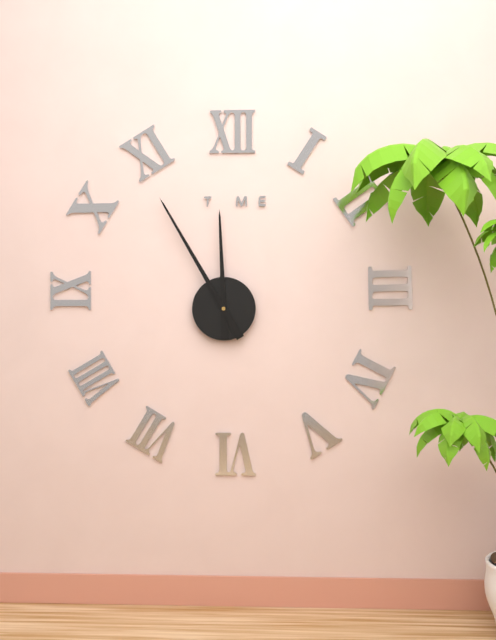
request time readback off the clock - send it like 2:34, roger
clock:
11:55
